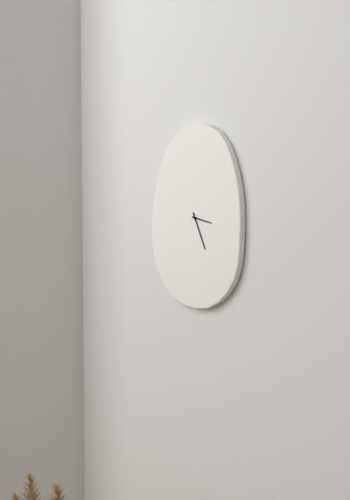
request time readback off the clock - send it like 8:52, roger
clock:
3:26
